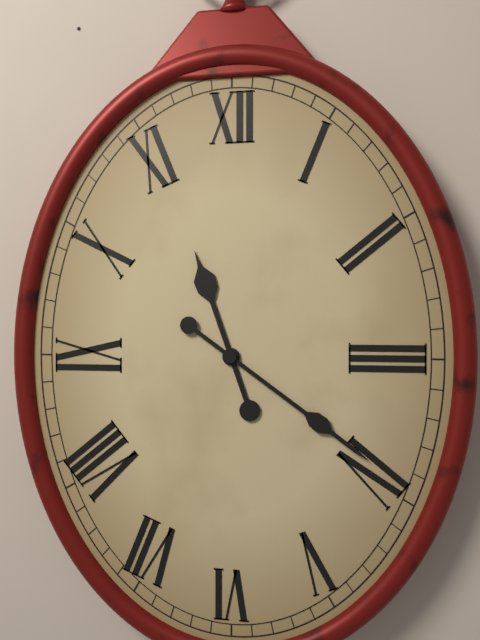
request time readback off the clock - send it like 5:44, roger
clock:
11:21
